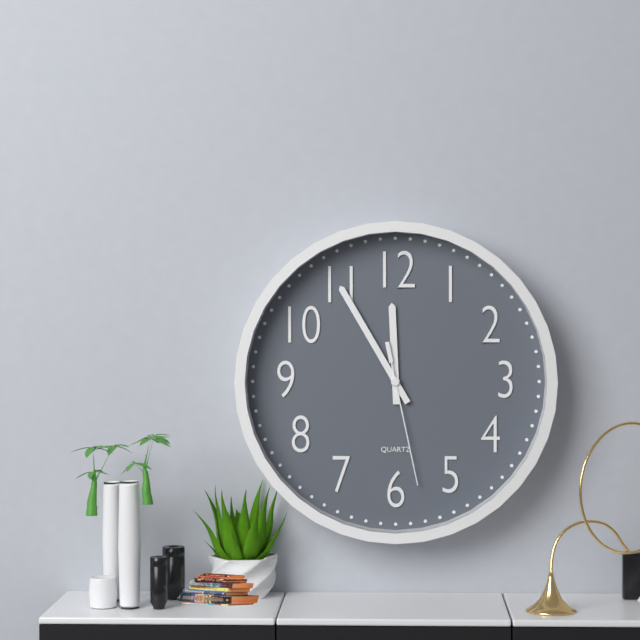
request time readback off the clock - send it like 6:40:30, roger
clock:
11:55:28
